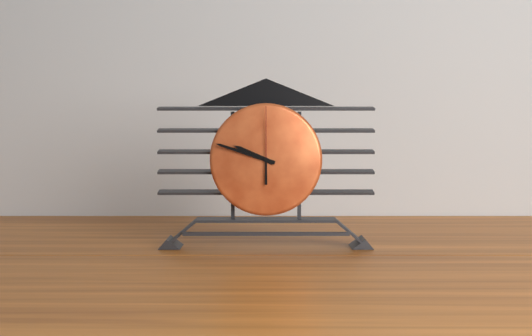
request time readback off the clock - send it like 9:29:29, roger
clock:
9:48:00
